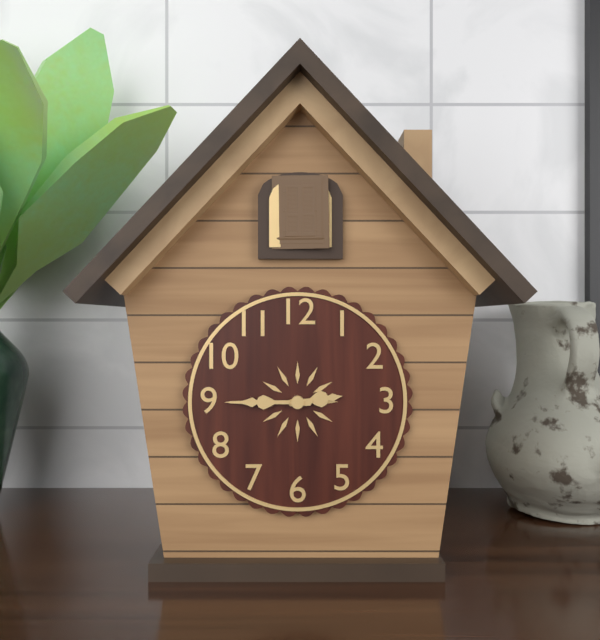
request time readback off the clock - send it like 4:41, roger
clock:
2:45
